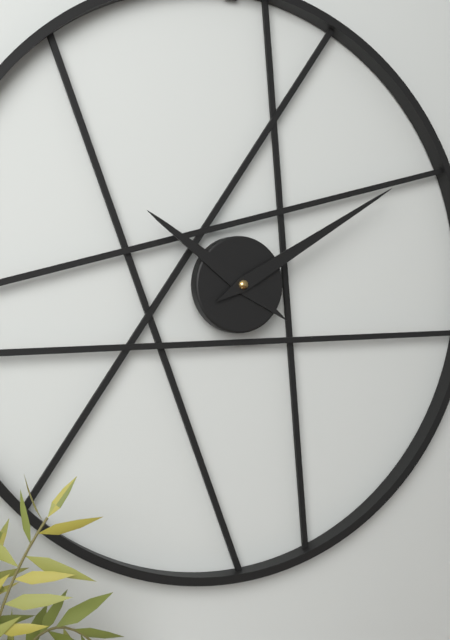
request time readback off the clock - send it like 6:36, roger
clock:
10:10
